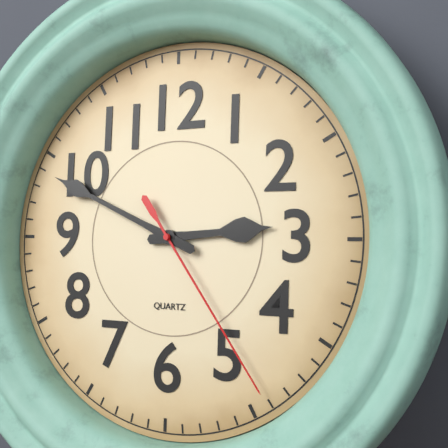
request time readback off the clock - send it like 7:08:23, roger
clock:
2:49:24
